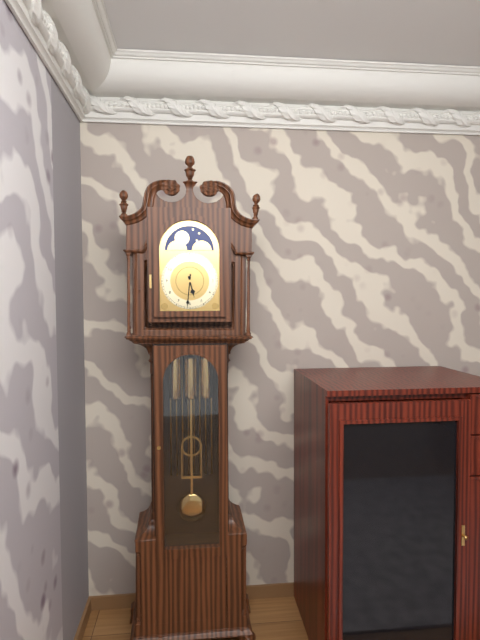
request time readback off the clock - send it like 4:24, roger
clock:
5:31
